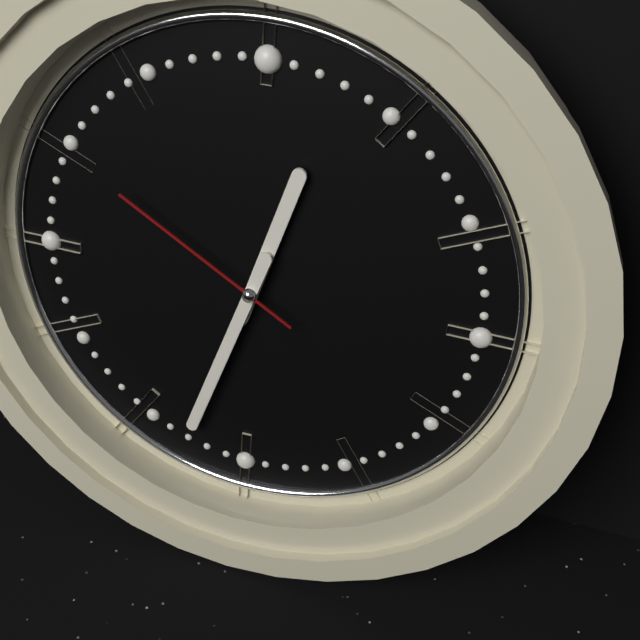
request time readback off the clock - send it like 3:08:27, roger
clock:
12:33:50
